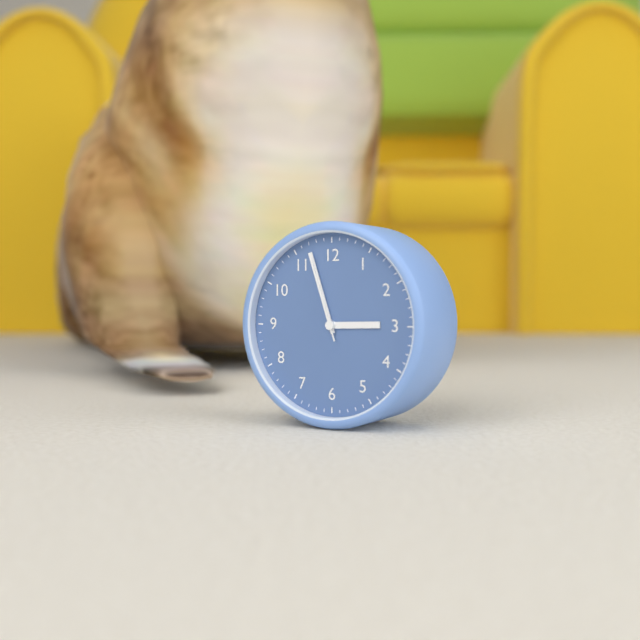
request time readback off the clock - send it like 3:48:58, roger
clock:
2:57:57
